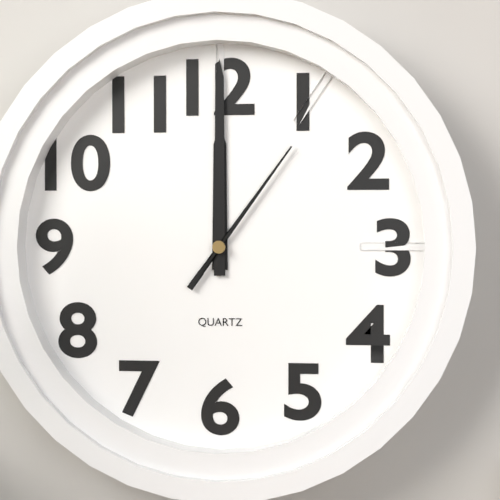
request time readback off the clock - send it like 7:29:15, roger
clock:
12:00:06
